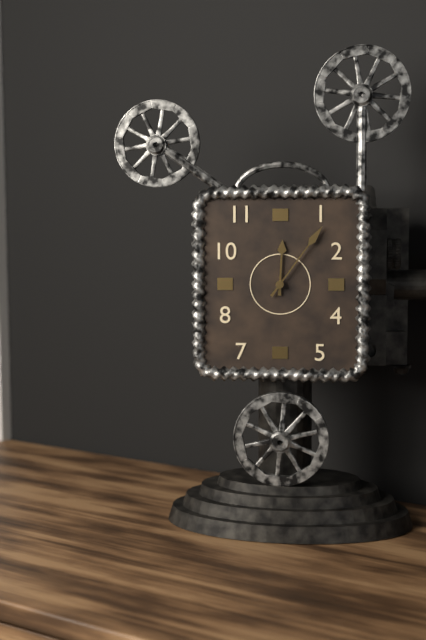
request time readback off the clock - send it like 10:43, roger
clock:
12:06
